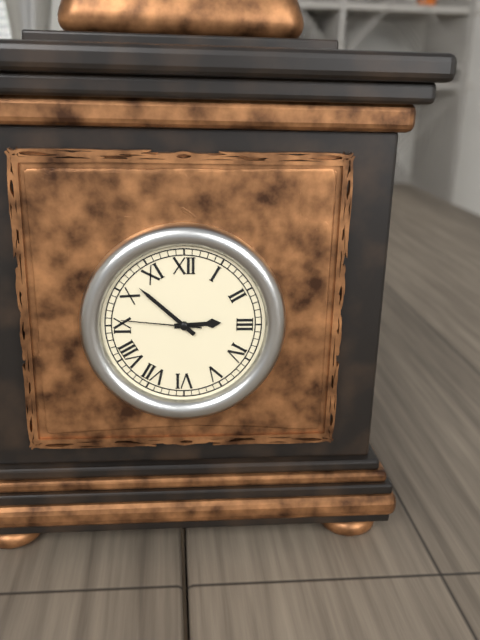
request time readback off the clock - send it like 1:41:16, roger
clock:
2:52:46
